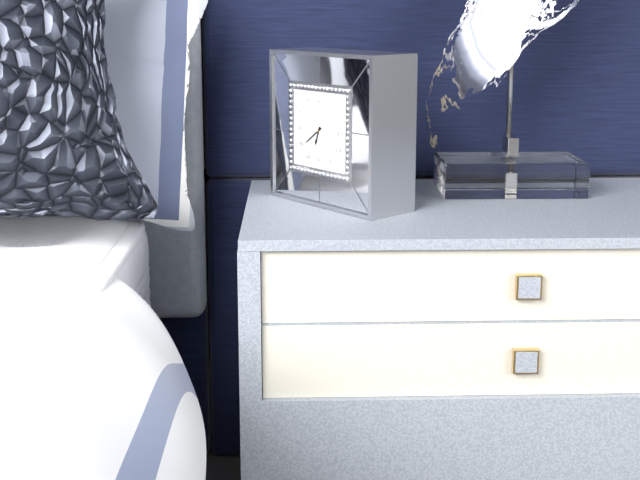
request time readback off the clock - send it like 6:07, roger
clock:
6:39
